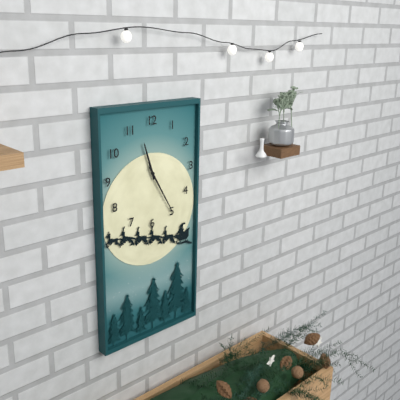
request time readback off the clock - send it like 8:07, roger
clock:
11:25
